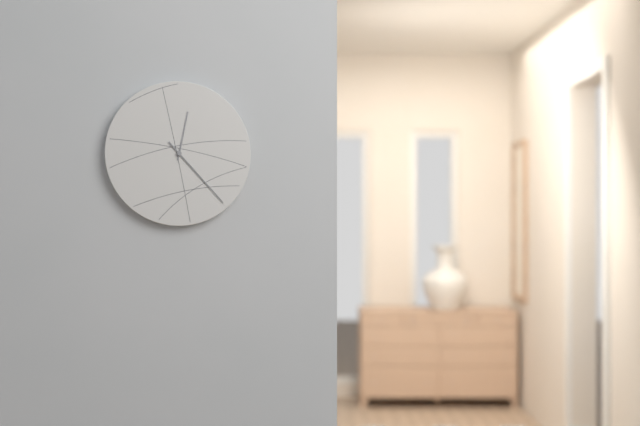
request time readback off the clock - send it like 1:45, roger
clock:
12:23
